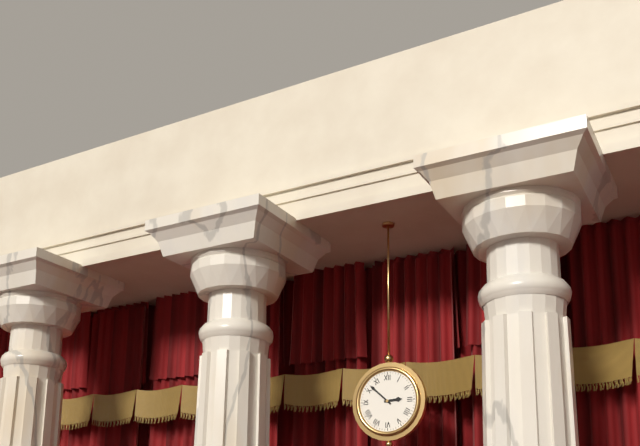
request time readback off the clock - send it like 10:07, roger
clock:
2:52
